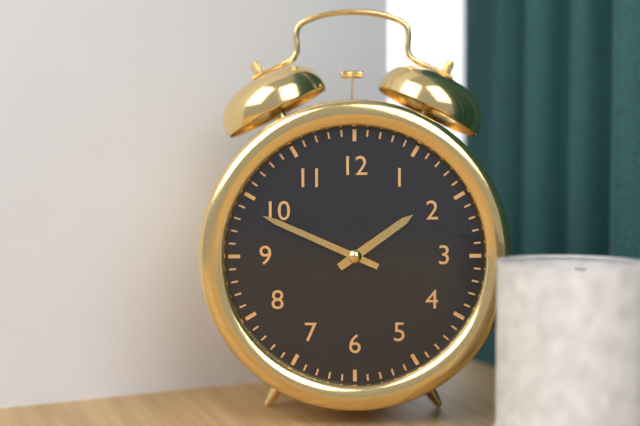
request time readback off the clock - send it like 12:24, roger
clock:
1:49
